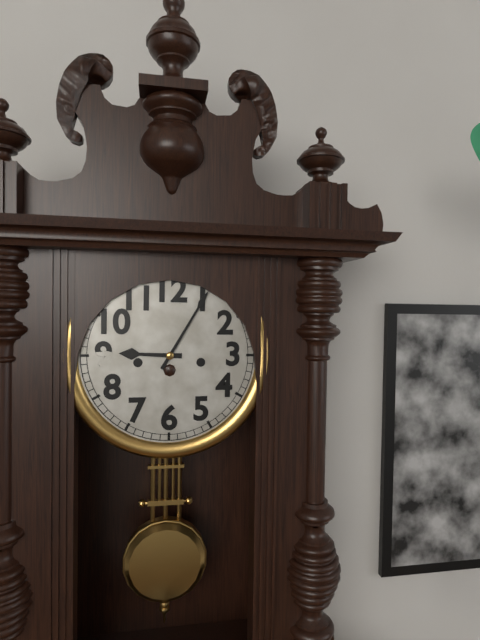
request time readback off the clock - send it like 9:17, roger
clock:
9:05
